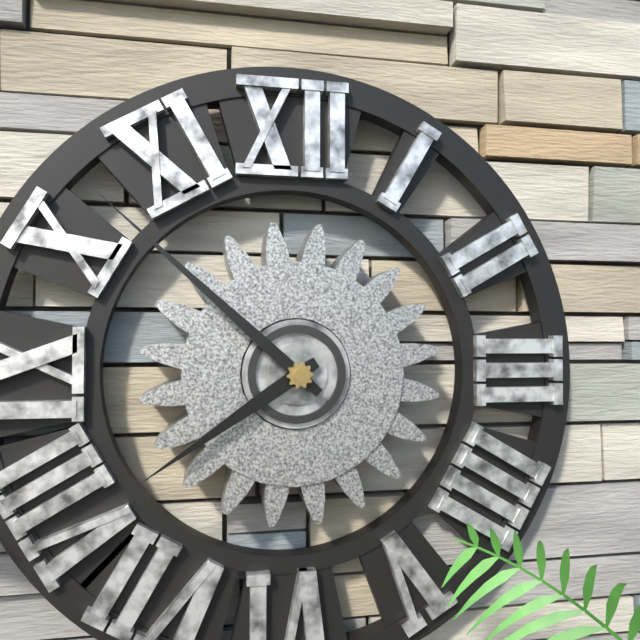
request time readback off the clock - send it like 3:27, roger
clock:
7:52
